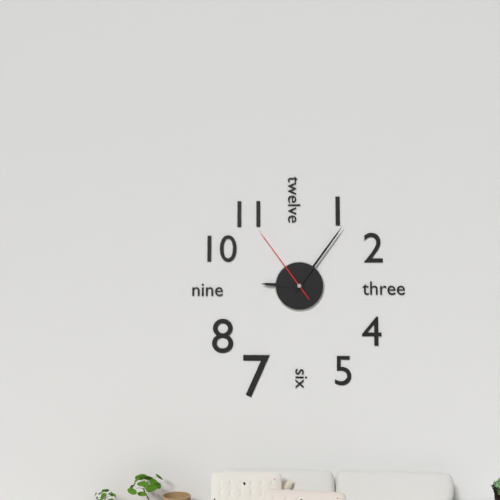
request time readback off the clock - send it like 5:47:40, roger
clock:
9:06:54
